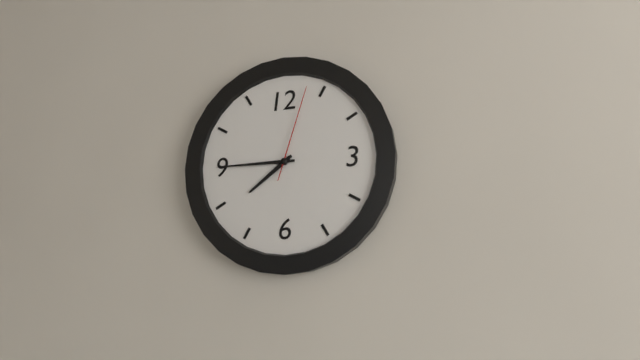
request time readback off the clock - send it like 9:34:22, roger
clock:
7:45:03
